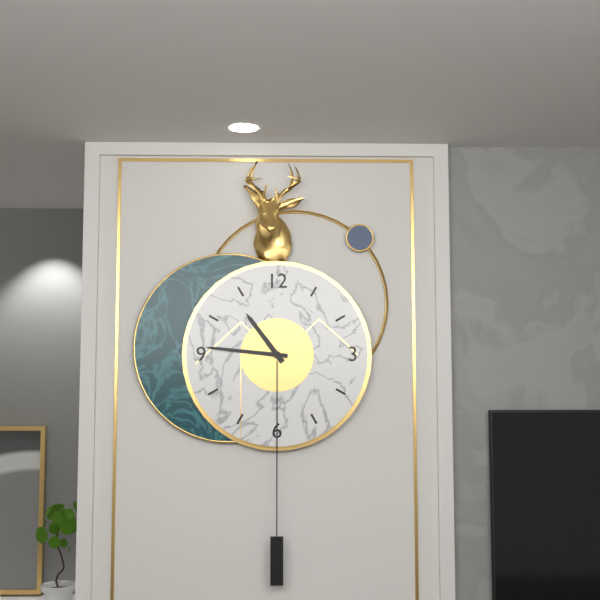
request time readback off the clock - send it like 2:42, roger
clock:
10:46
